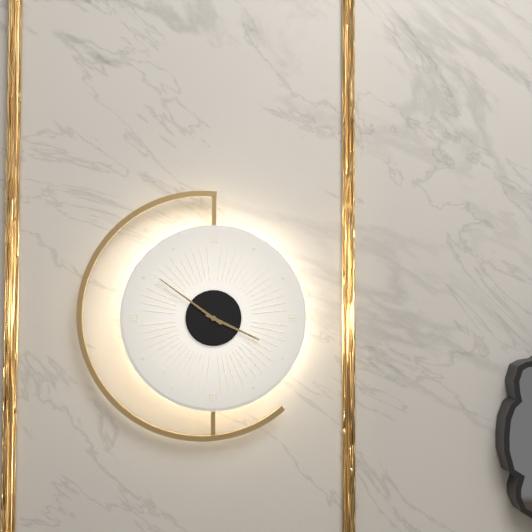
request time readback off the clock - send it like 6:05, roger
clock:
3:51
